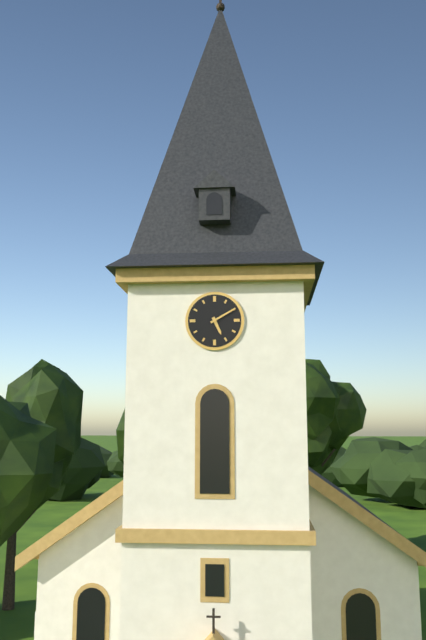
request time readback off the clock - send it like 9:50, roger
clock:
5:10
